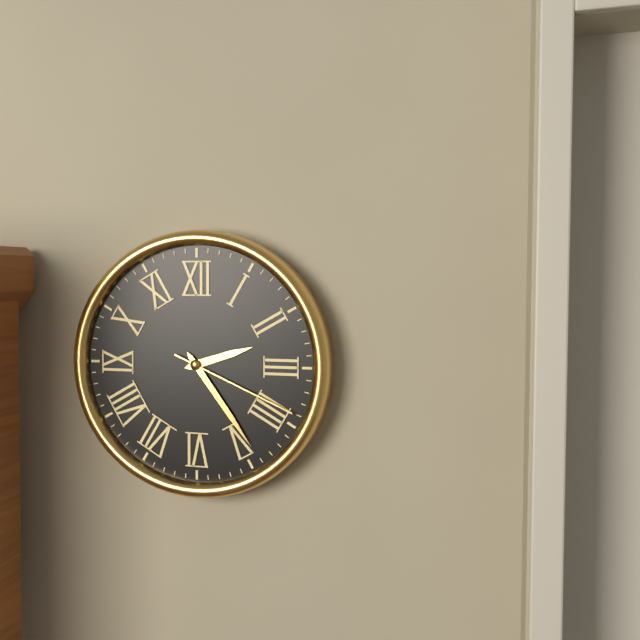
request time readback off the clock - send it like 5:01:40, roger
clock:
2:24:19
